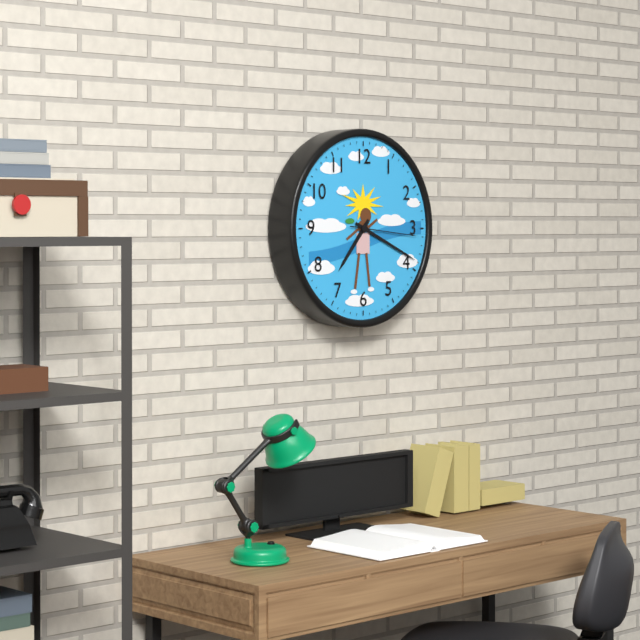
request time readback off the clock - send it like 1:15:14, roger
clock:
7:19:16
